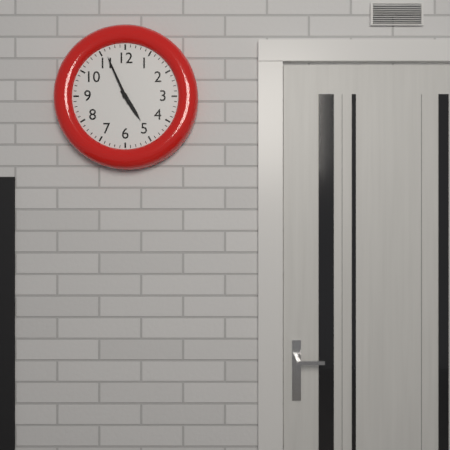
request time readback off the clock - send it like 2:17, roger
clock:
4:56
